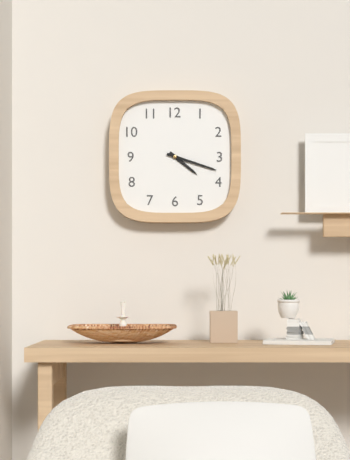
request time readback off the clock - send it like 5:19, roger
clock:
4:18
